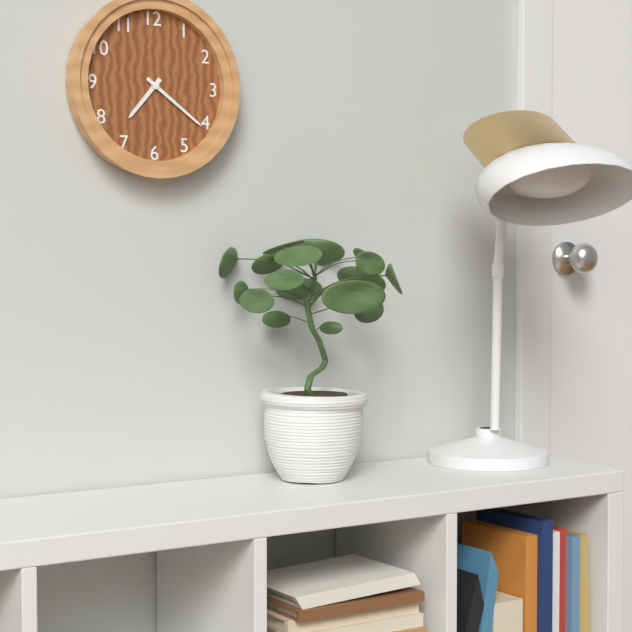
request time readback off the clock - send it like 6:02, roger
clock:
7:21
